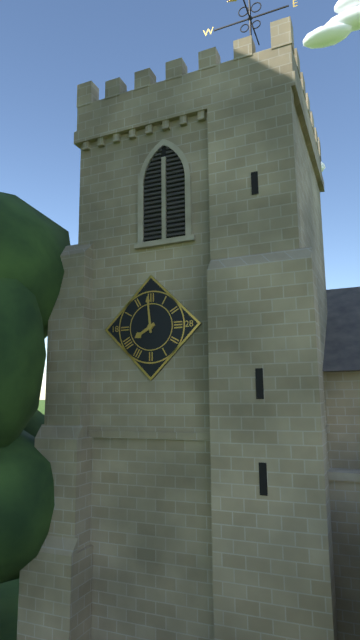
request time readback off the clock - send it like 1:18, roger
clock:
7:59
